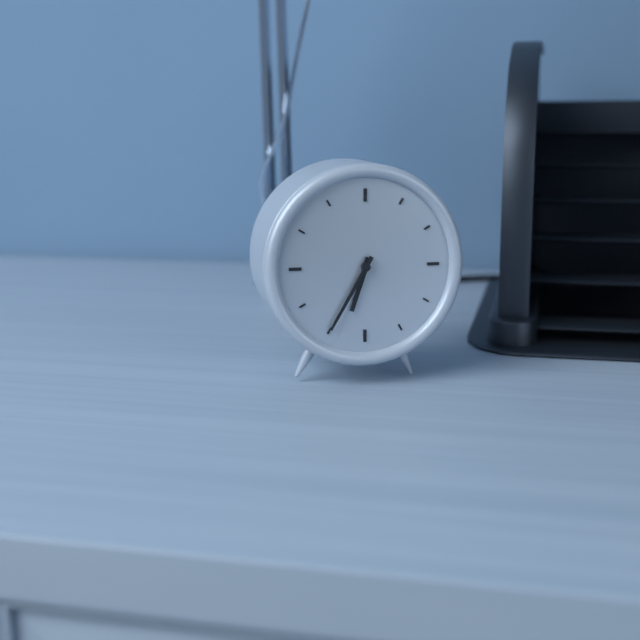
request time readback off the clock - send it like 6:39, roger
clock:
6:35
